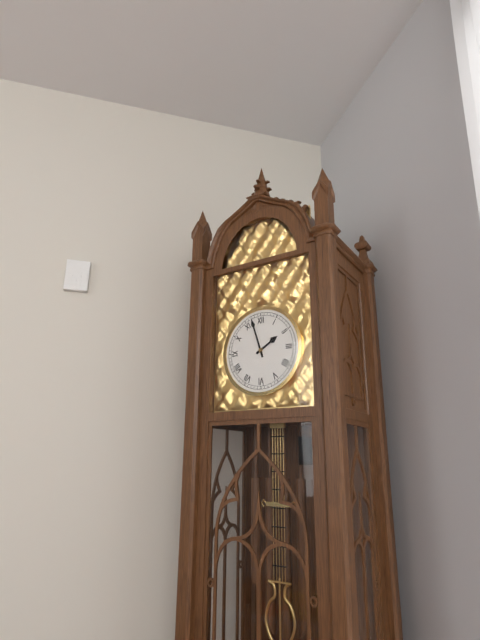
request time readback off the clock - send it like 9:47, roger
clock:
1:57
